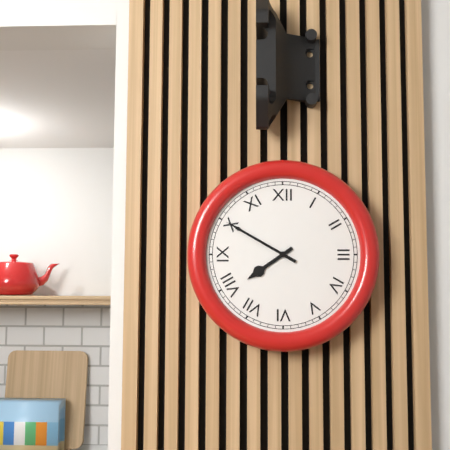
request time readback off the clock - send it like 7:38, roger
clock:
7:50
